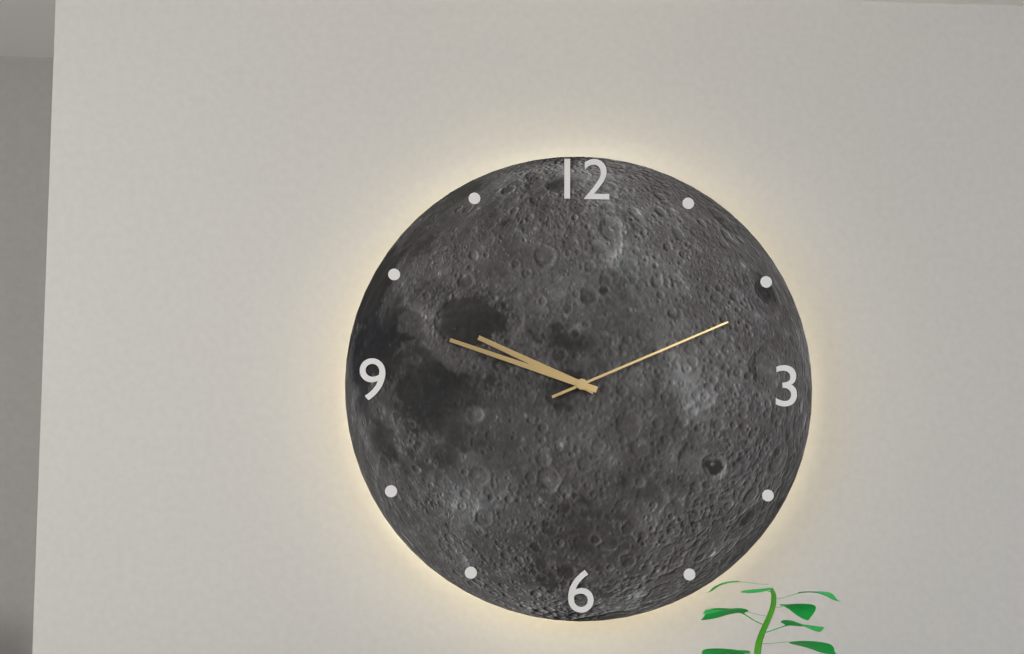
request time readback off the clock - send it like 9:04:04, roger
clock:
9:48:11
